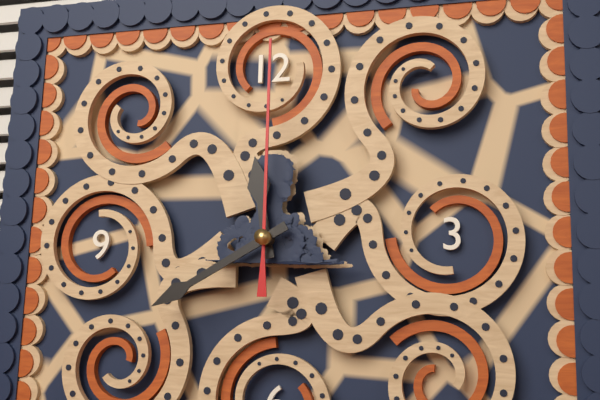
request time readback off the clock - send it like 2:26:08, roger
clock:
11:40:00
